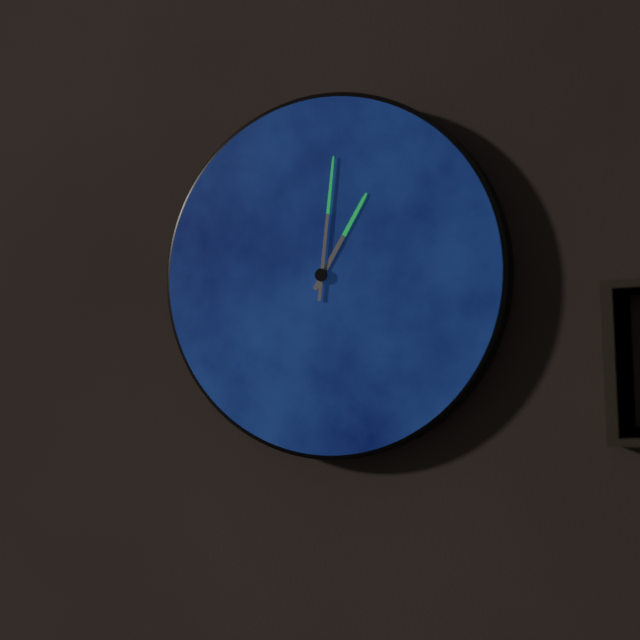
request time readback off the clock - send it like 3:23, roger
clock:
1:01
